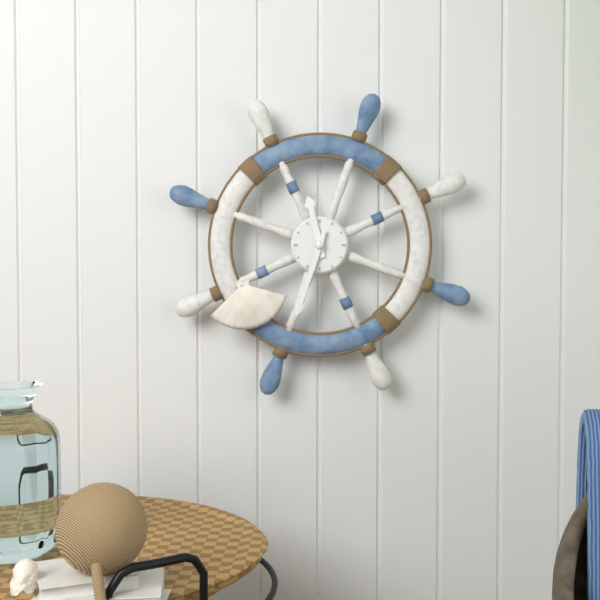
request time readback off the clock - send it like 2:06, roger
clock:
11:33
